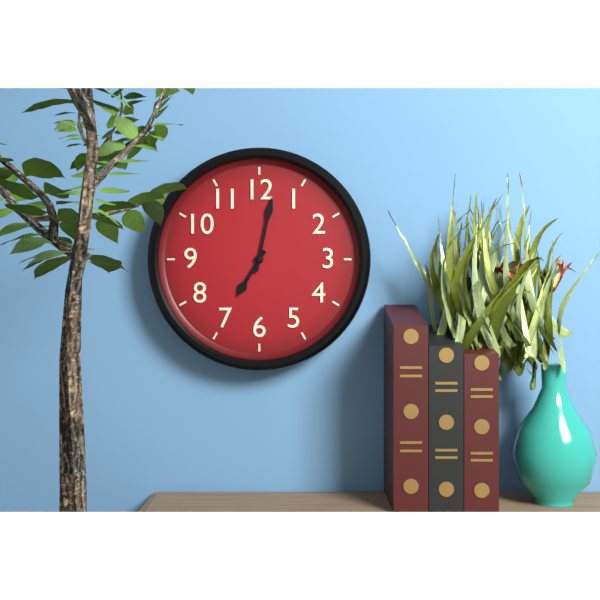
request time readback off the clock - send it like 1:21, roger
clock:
7:02
